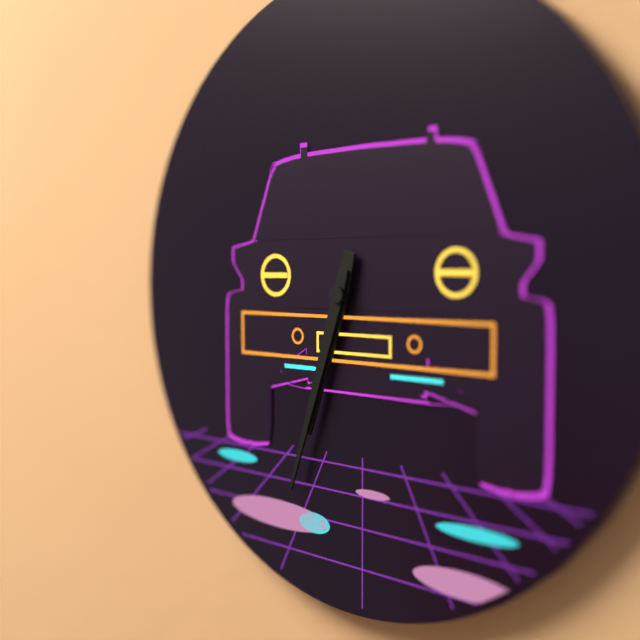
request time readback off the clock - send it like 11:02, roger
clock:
6:33
